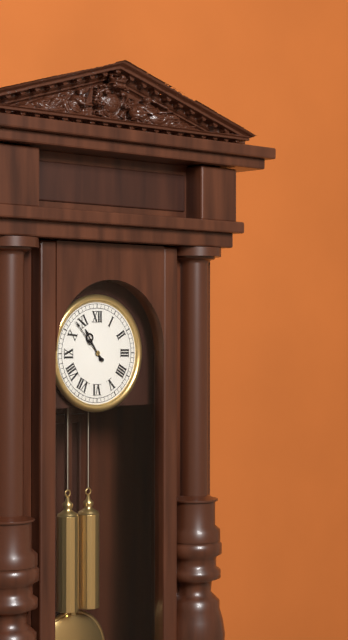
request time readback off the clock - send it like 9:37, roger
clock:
10:53
